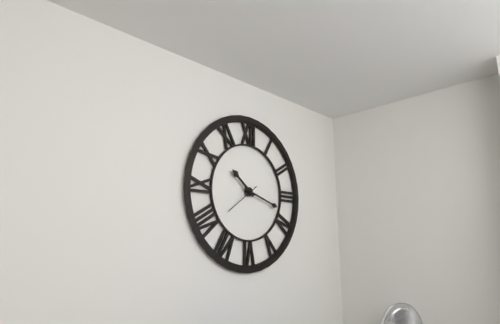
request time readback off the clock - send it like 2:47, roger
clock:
10:18
